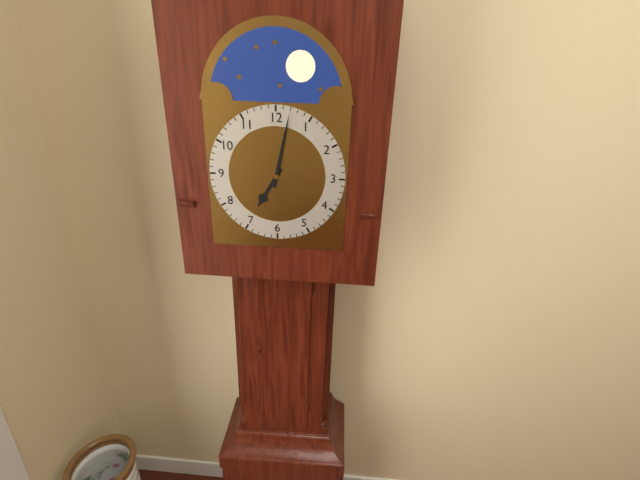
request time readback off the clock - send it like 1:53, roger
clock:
7:02
